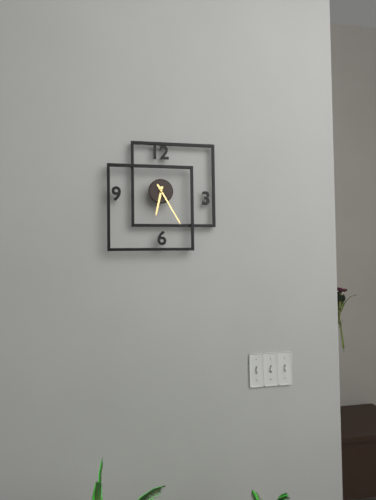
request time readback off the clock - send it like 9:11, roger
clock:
6:25
